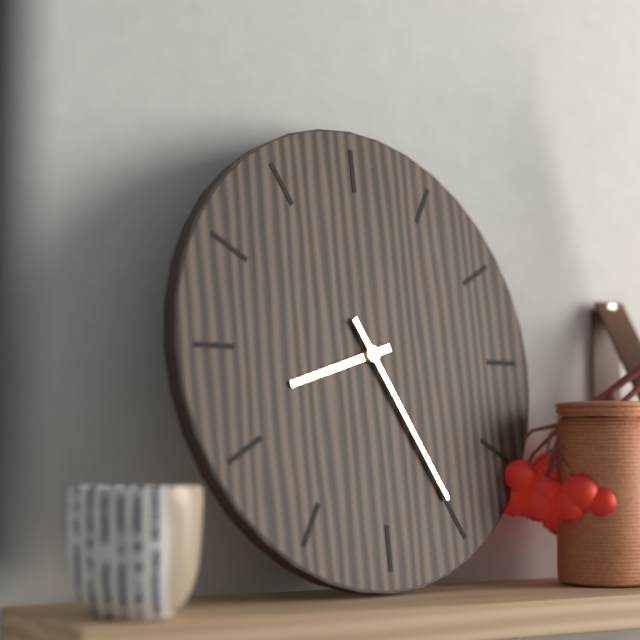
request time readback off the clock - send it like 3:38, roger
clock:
8:25
